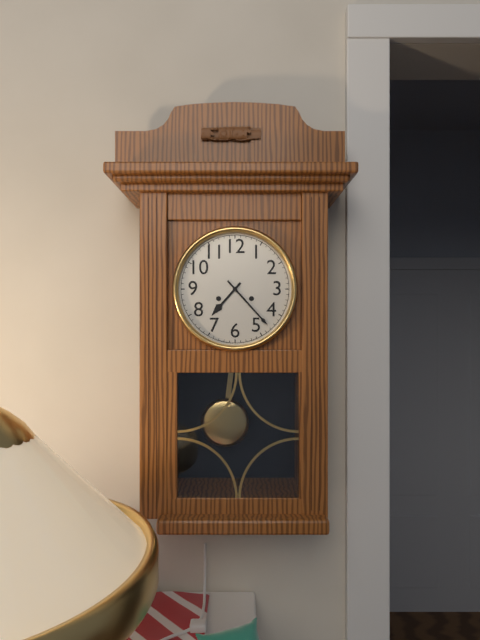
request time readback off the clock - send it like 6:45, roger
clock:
7:23
